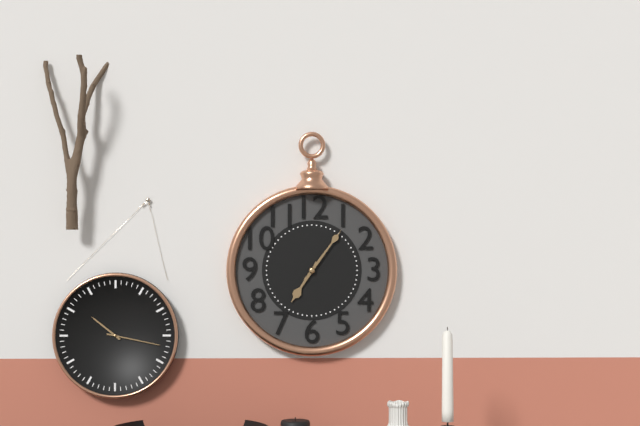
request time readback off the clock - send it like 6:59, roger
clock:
7:06
